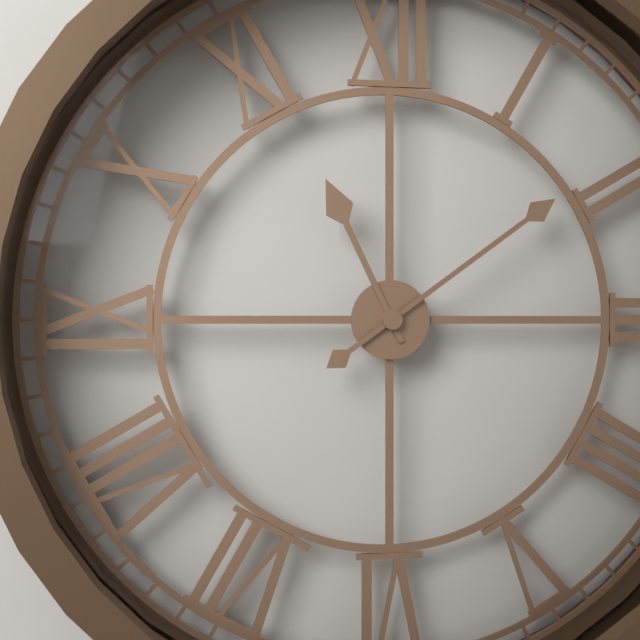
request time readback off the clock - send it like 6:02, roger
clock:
11:09
